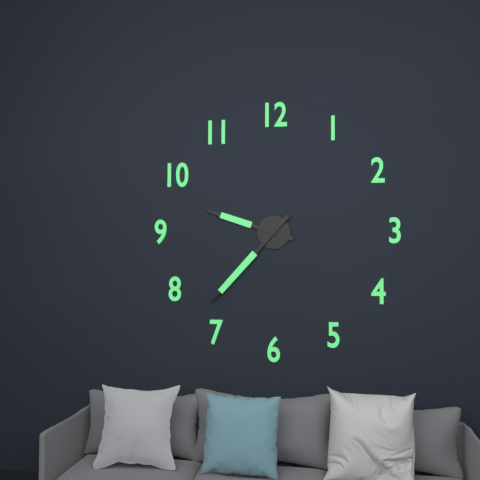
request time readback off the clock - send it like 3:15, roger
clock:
9:37
